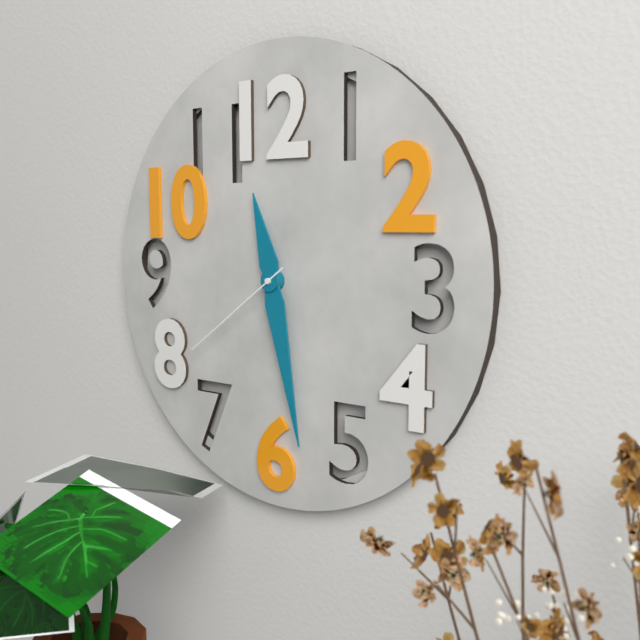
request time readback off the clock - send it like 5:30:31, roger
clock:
11:28:39
